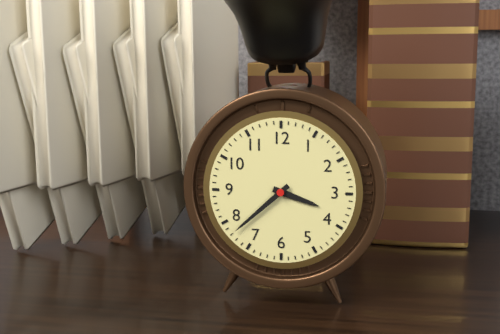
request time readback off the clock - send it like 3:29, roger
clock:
3:38
